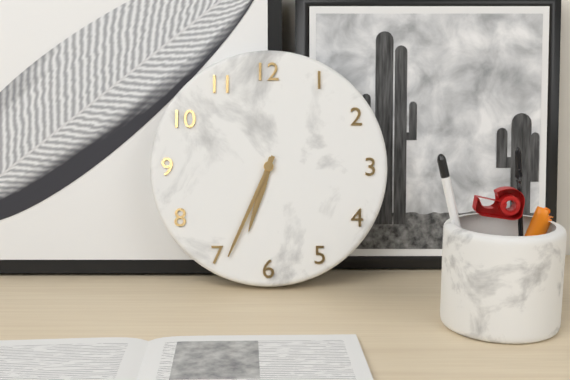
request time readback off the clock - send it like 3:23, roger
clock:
6:34
